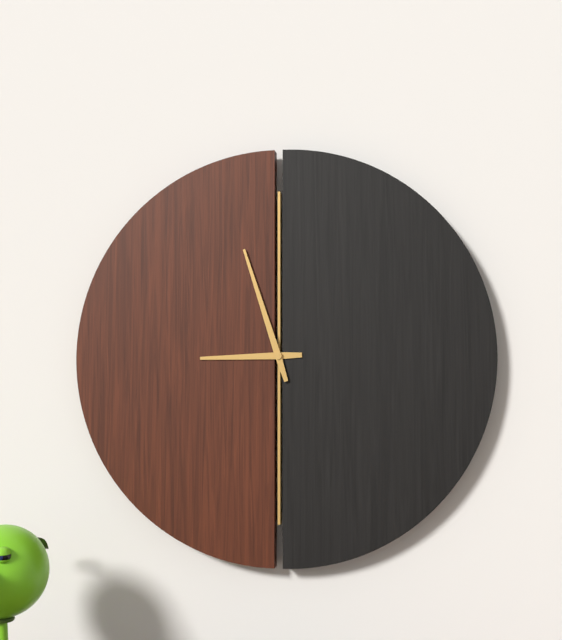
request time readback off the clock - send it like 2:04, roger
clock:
8:57
